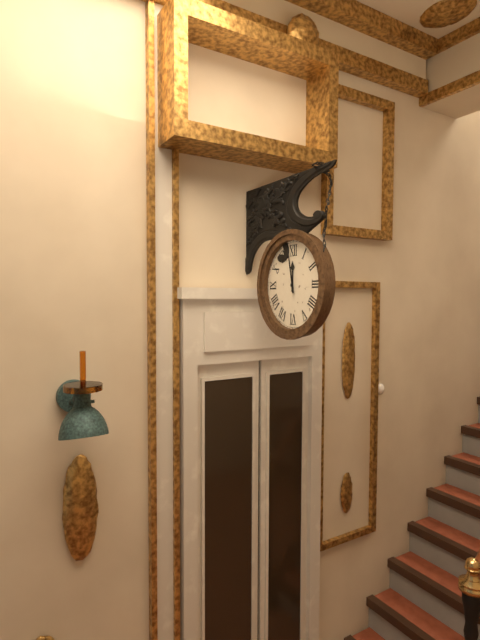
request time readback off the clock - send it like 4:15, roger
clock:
11:58
